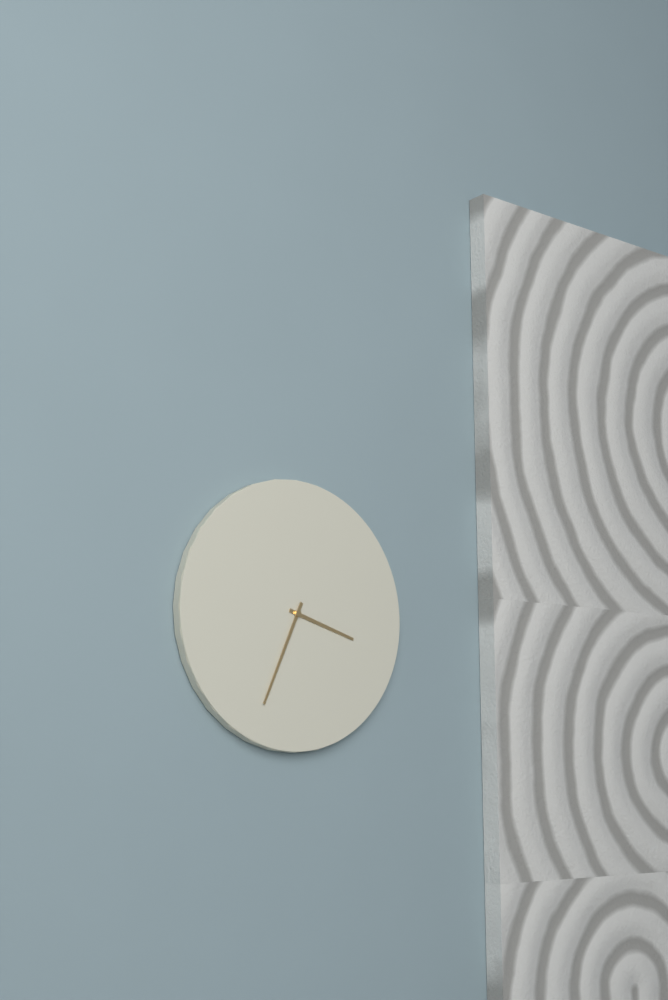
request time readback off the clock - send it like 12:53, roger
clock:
3:34
